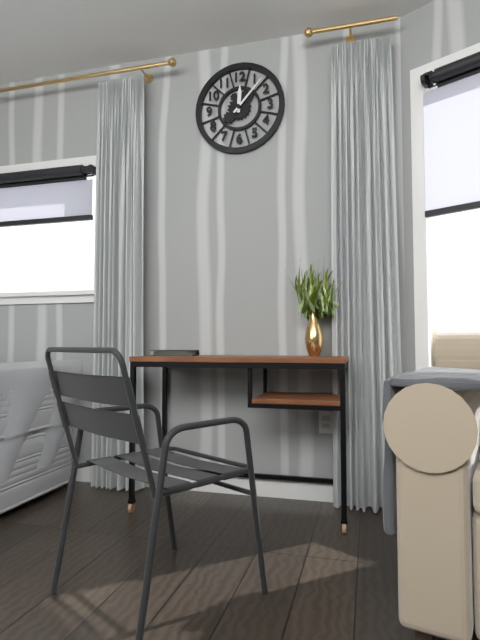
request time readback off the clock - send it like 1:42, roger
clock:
12:07
